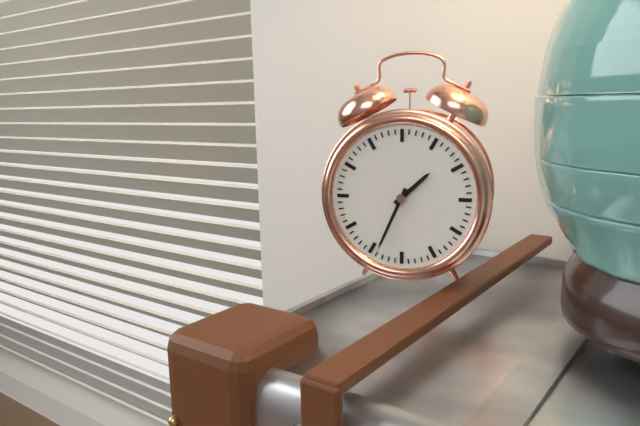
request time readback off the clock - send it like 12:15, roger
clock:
1:34
